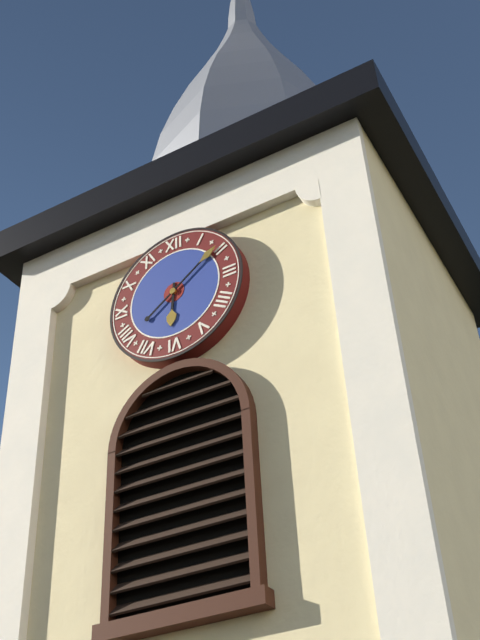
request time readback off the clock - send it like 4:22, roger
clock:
6:09
